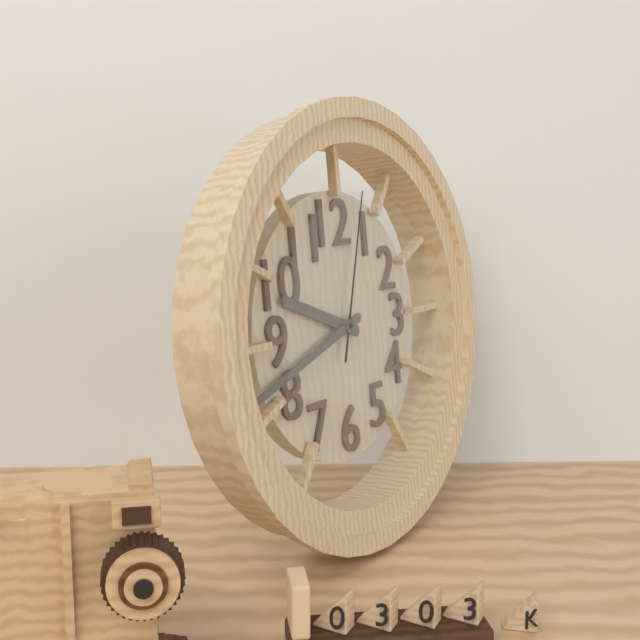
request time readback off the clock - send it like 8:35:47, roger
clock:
9:42:03
